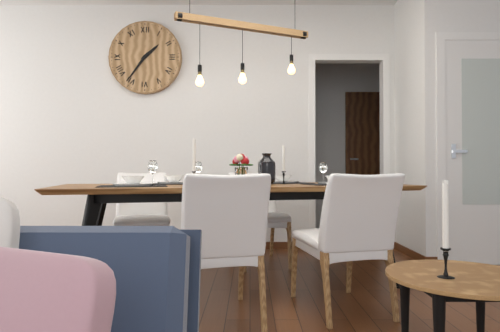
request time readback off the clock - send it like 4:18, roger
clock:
1:36
